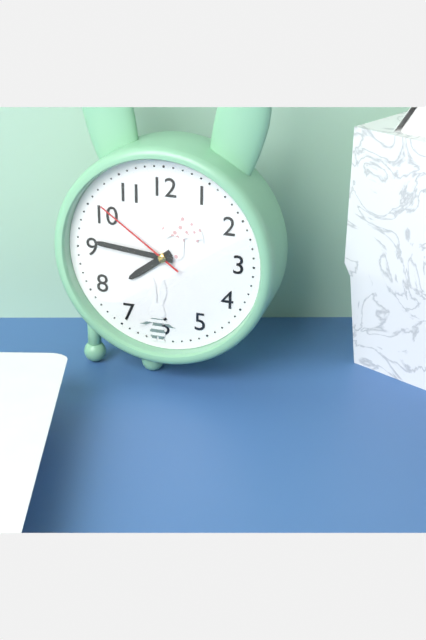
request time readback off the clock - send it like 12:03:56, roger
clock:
7:46:51
